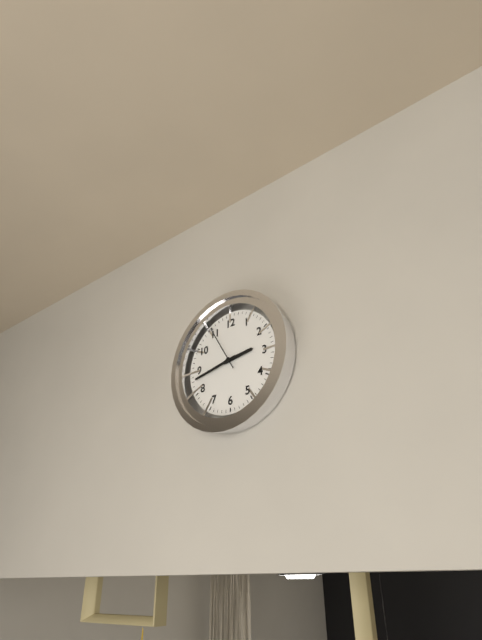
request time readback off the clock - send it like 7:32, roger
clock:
2:43
